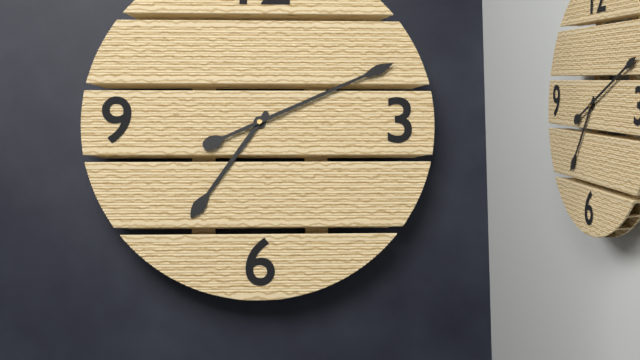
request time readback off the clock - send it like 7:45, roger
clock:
7:11
